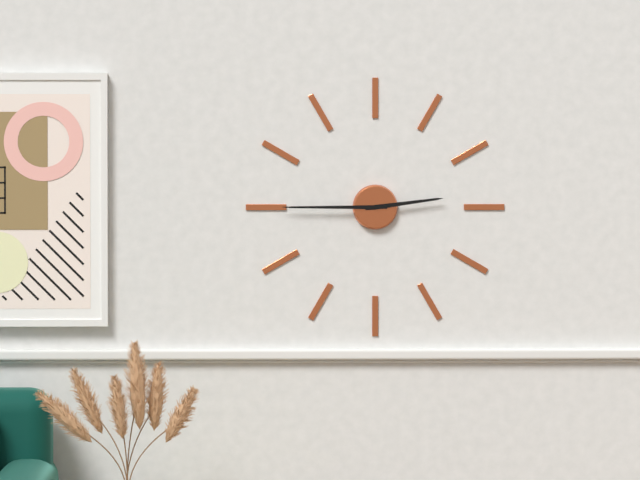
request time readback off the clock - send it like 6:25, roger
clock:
2:45
